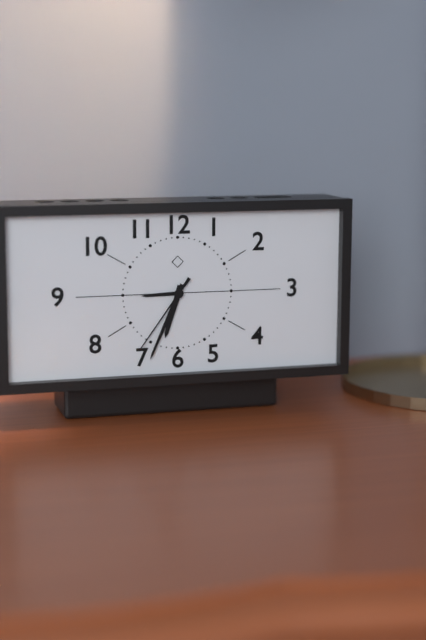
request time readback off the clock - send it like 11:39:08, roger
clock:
6:34:36
